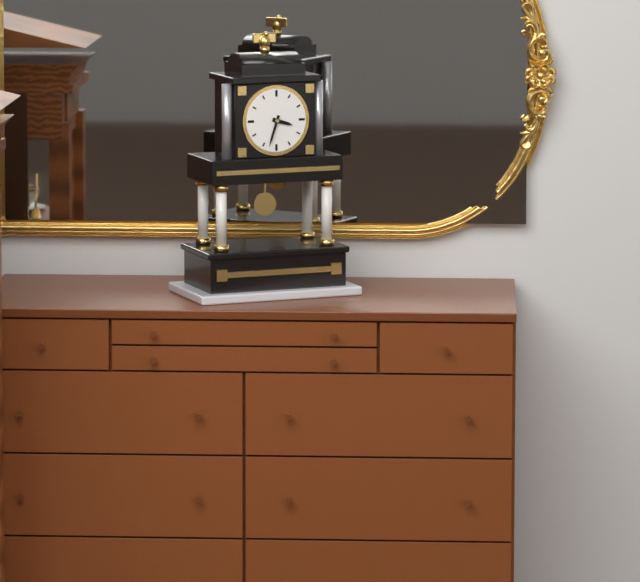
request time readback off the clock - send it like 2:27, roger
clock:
3:33
